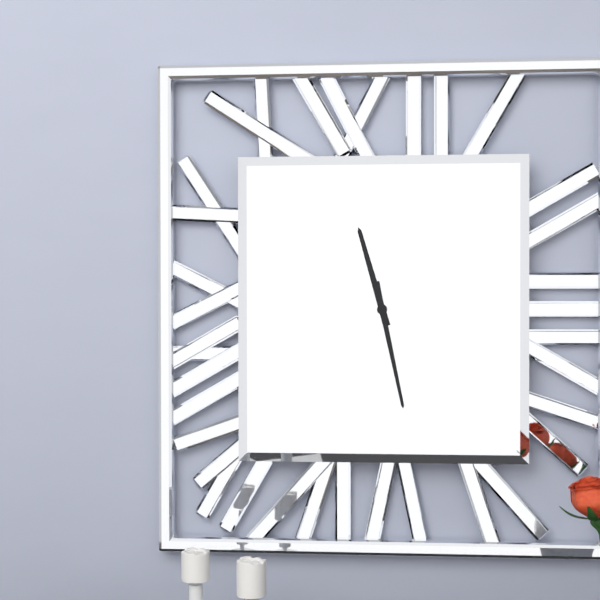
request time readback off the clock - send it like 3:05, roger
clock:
11:28
